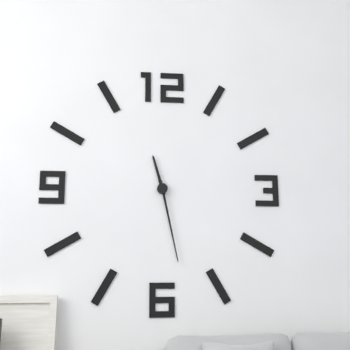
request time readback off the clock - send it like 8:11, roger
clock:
11:28
